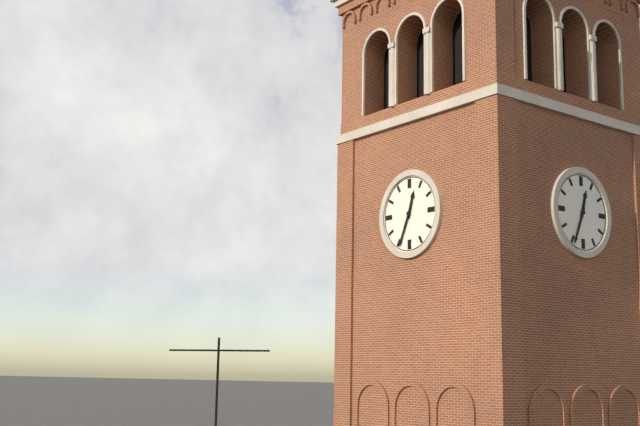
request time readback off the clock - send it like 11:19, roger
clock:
12:34
